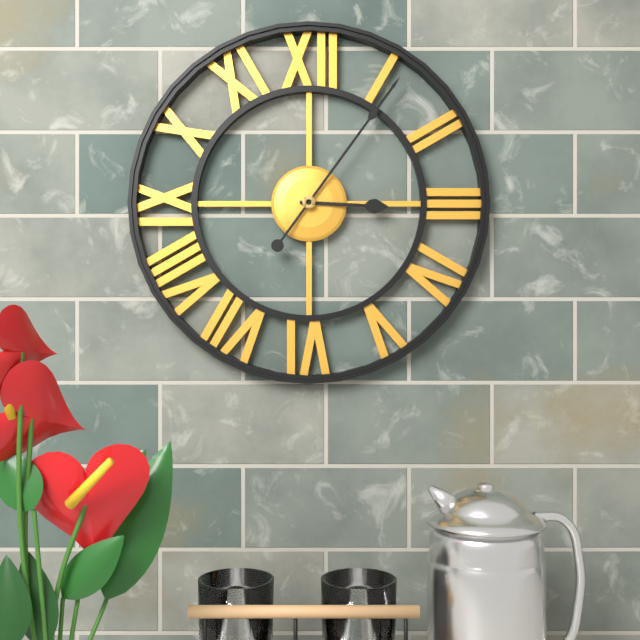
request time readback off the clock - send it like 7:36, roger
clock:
3:06
